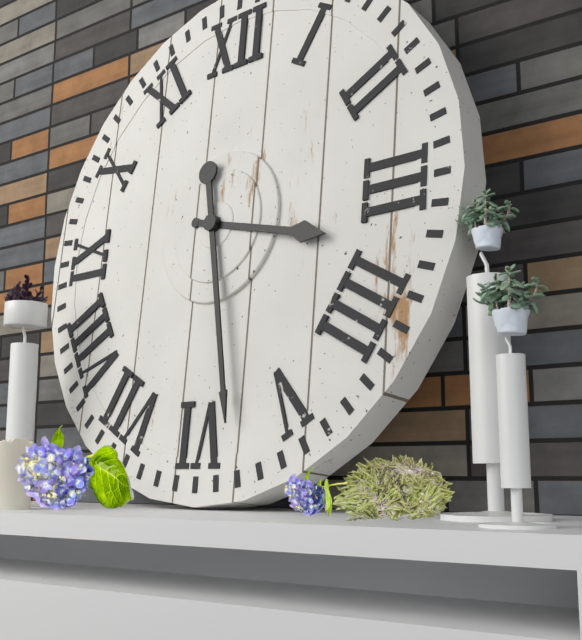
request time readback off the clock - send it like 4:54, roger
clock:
3:28
